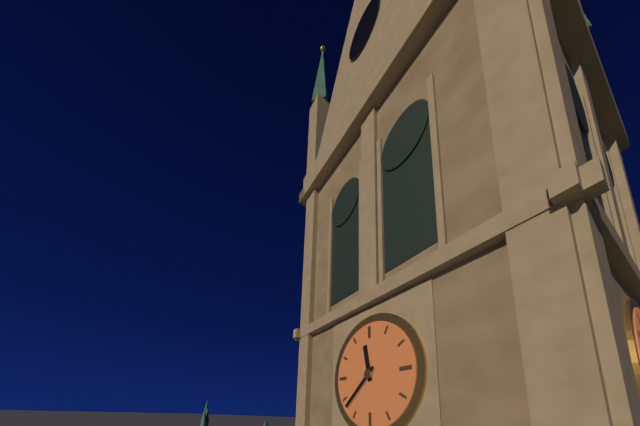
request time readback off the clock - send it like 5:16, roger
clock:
11:38
